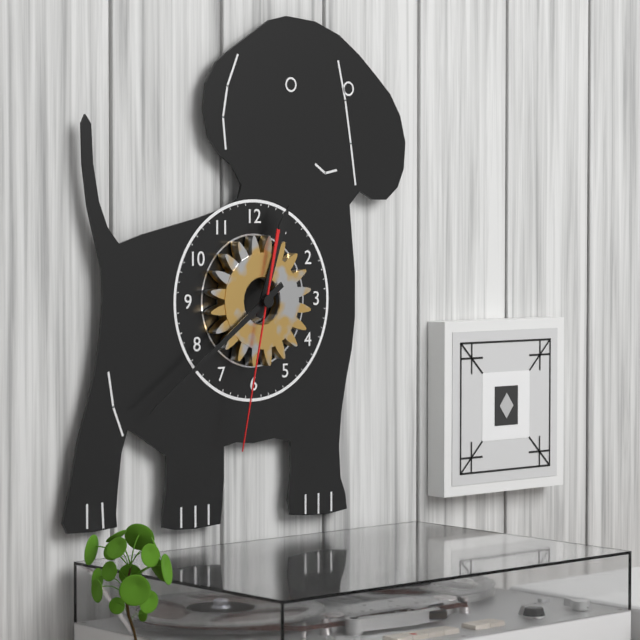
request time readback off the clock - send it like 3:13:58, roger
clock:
12:39:32
